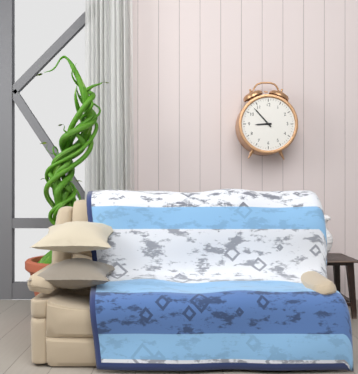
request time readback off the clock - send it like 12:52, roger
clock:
8:53
